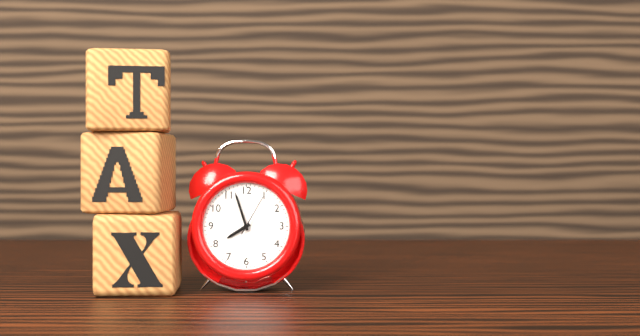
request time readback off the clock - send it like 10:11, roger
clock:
7:57
